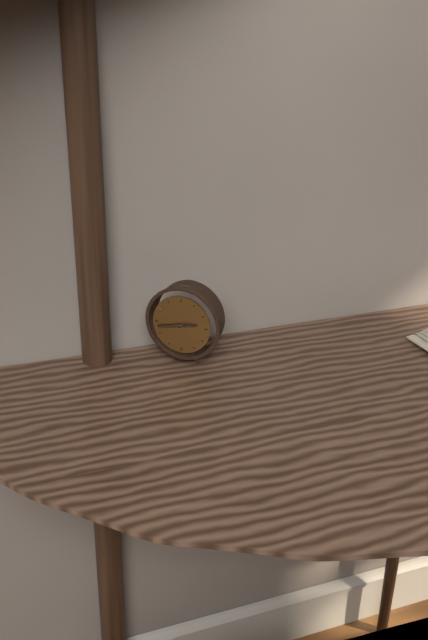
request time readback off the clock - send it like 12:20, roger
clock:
2:43
